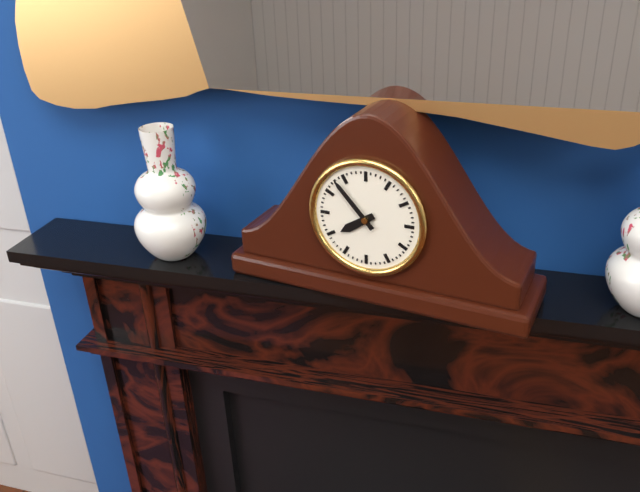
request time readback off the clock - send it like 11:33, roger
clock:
7:53
